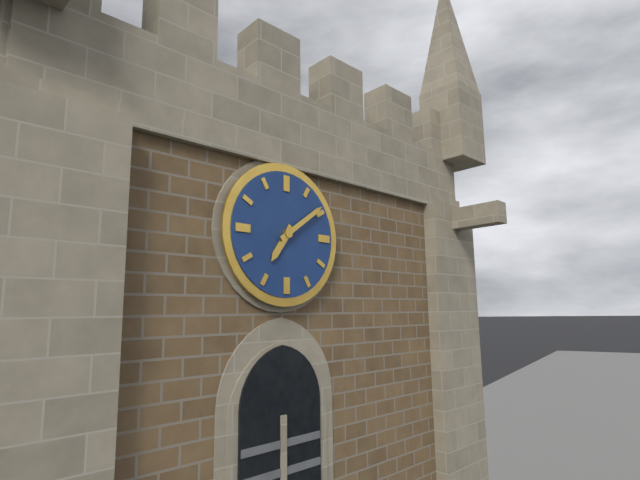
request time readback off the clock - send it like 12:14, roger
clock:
7:09
